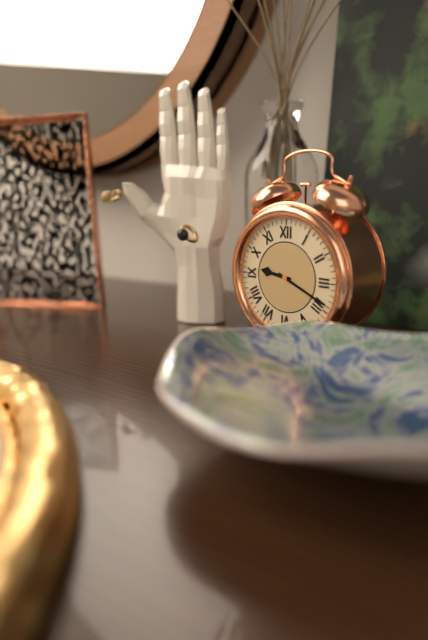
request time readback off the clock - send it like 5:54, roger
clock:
9:19
